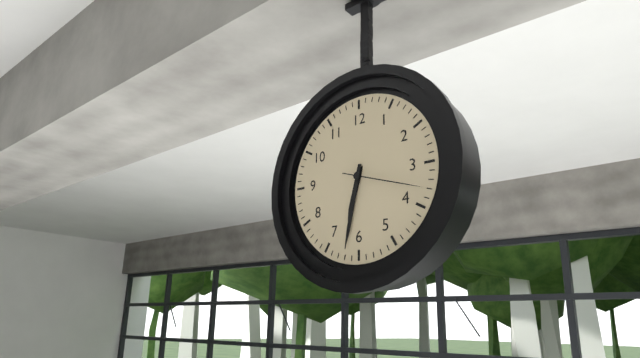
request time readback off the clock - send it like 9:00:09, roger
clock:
6:32:18
